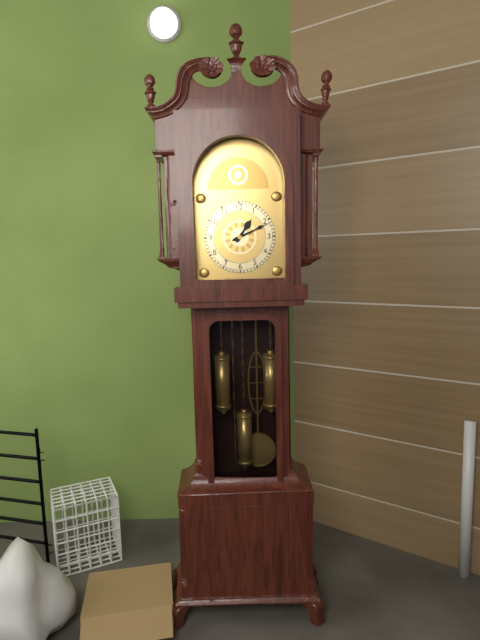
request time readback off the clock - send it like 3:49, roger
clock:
1:11
